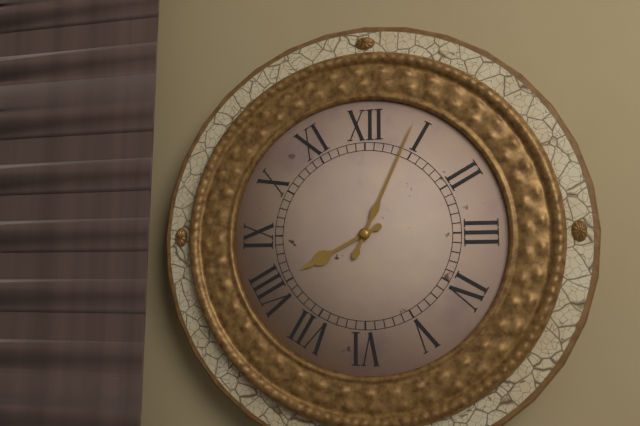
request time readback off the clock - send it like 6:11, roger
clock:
8:04
